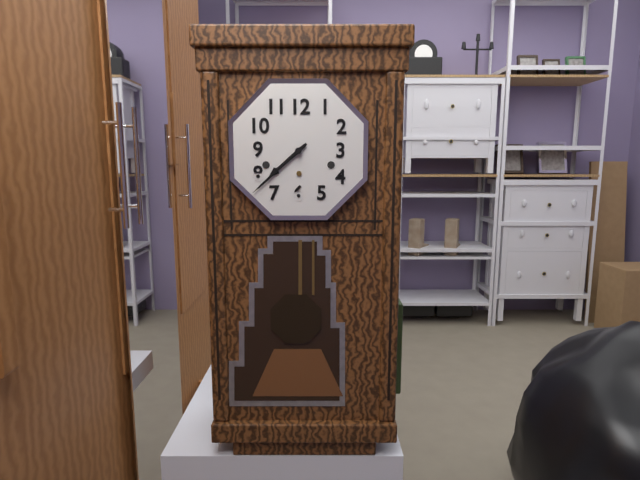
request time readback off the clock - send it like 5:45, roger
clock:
7:38
